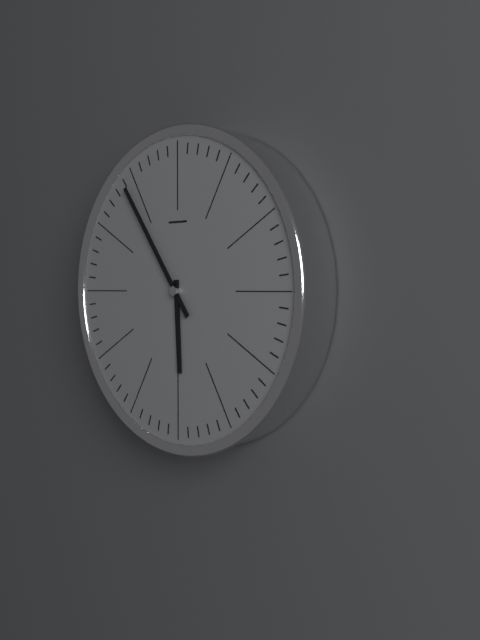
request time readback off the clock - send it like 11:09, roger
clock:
5:54
